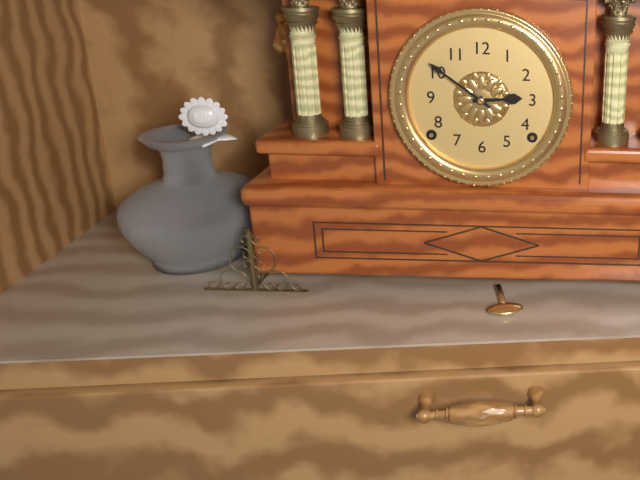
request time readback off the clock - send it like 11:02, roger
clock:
2:51
